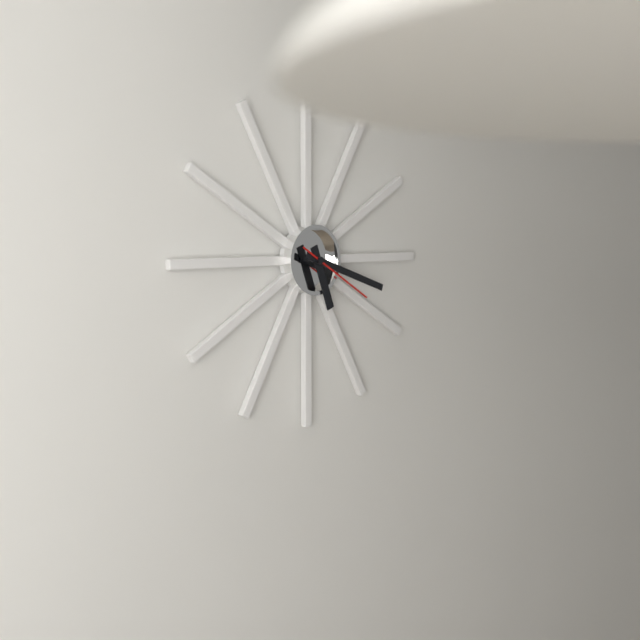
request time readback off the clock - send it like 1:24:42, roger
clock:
5:18:20
